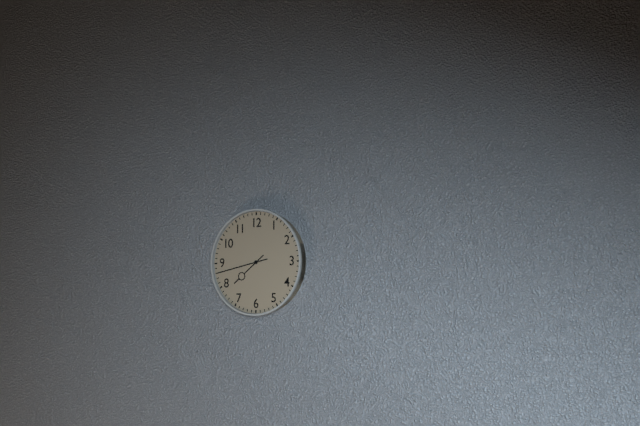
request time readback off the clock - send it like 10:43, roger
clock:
7:43
